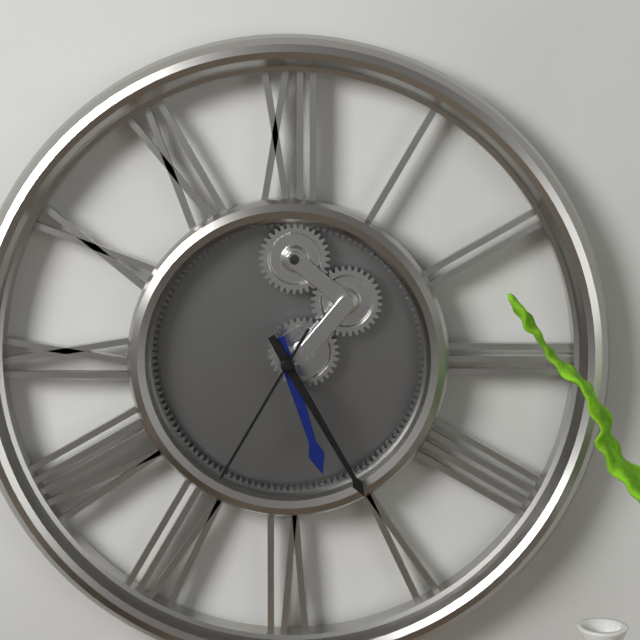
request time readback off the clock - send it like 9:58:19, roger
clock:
5:25:35
